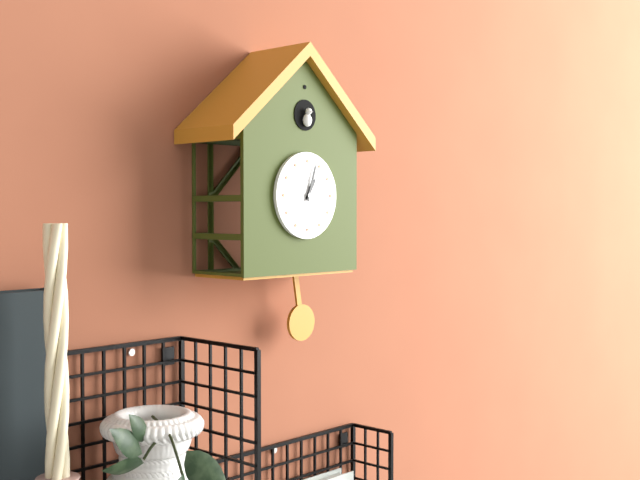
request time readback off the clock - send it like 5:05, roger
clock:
1:03
